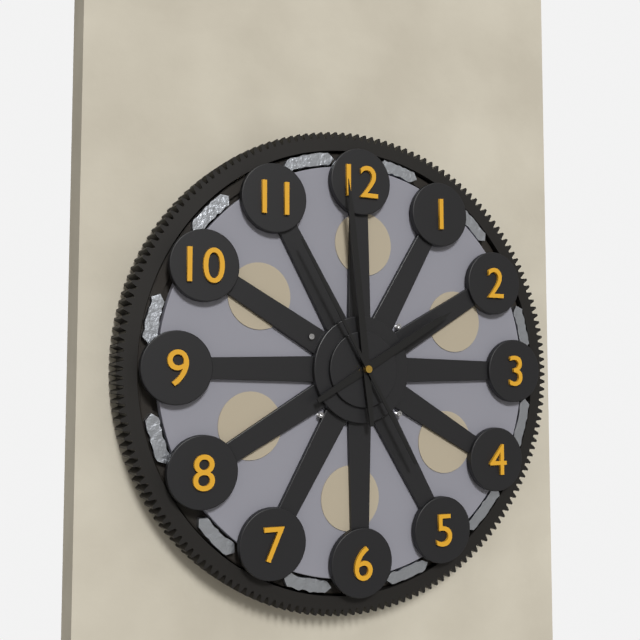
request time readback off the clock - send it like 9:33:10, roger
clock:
1:59:55
